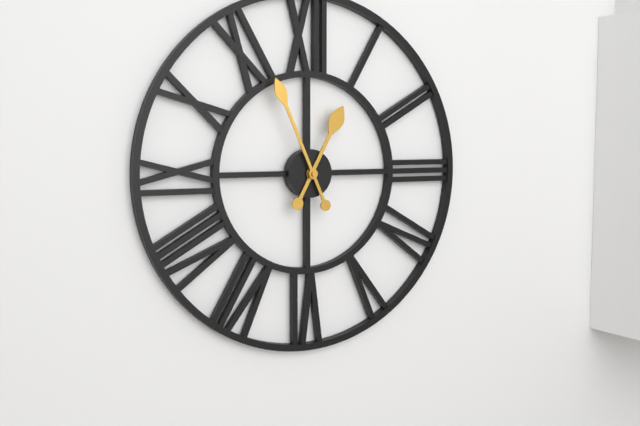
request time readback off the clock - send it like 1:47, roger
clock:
12:56
